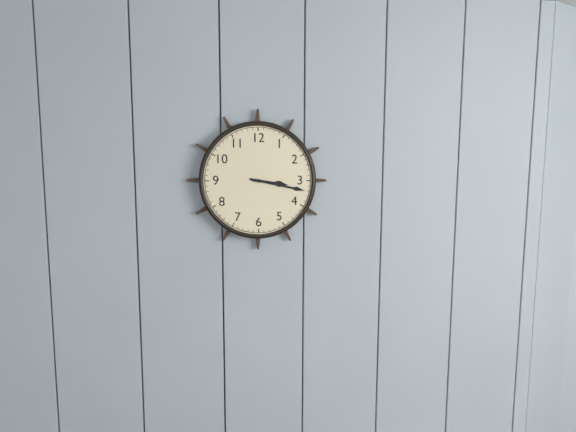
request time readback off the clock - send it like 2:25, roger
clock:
3:17
